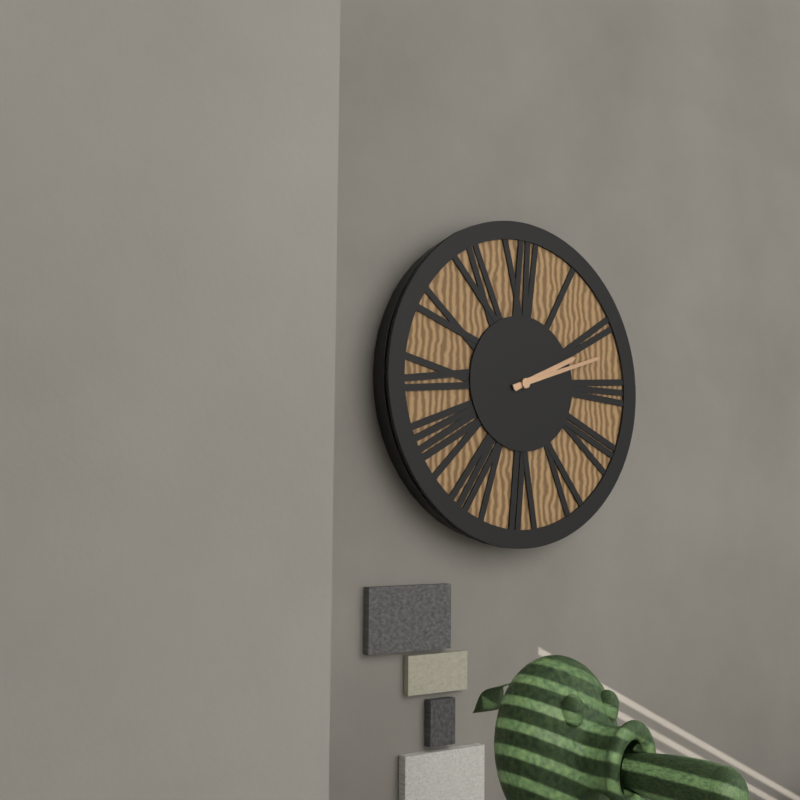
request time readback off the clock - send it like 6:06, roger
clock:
2:12
